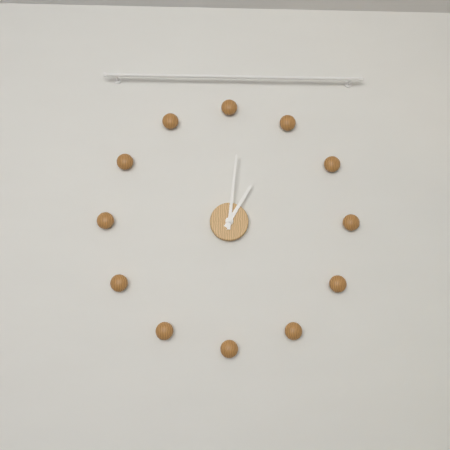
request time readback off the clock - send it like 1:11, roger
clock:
1:01
